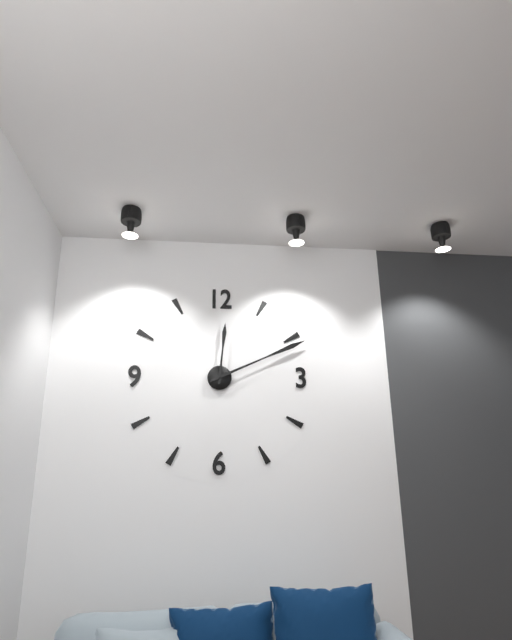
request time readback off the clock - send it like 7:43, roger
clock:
12:11
